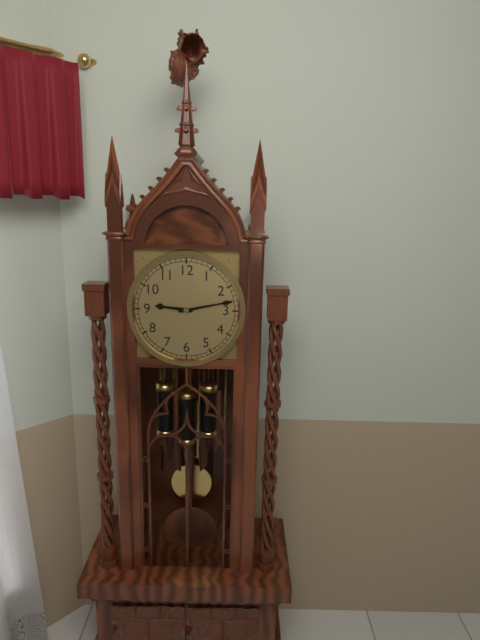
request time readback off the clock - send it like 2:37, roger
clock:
9:13
